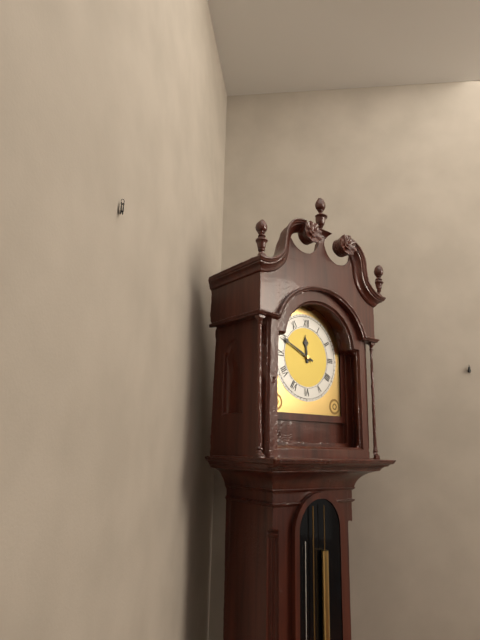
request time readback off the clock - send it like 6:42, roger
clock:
11:49
